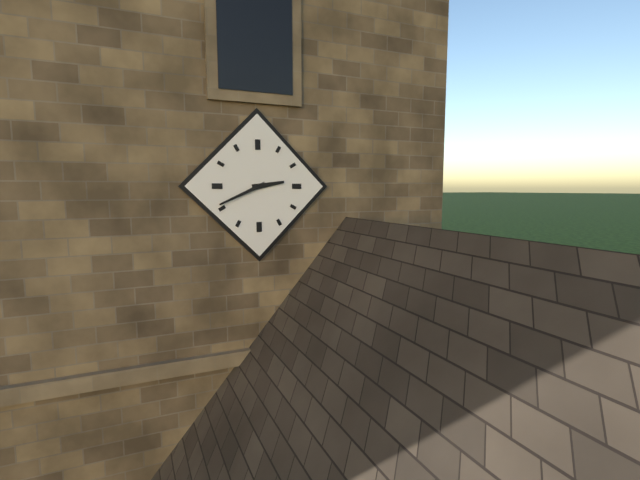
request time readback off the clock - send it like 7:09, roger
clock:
2:41
